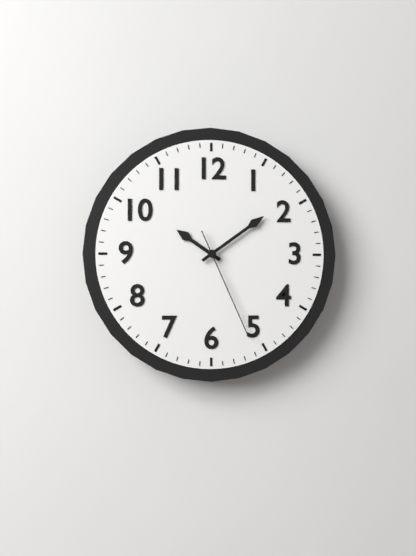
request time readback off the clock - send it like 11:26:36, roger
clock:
10:09:26
